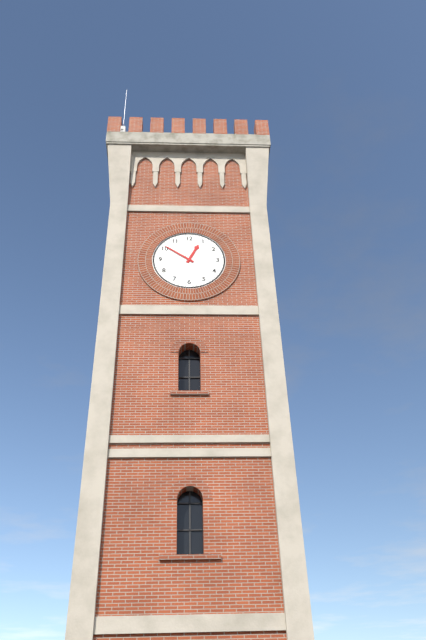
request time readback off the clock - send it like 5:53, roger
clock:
12:51
